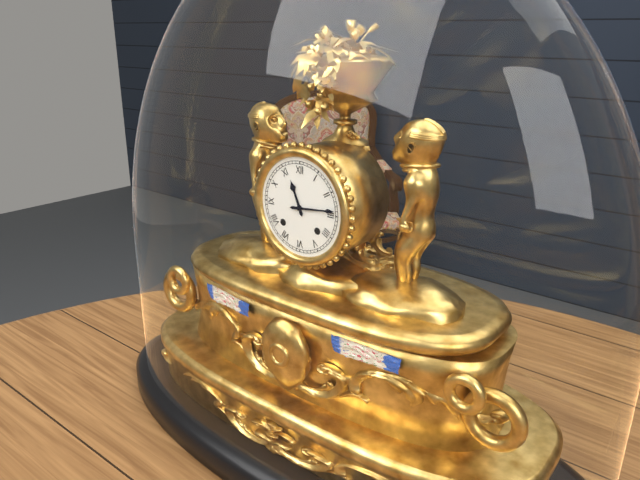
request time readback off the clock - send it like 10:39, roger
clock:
11:14
